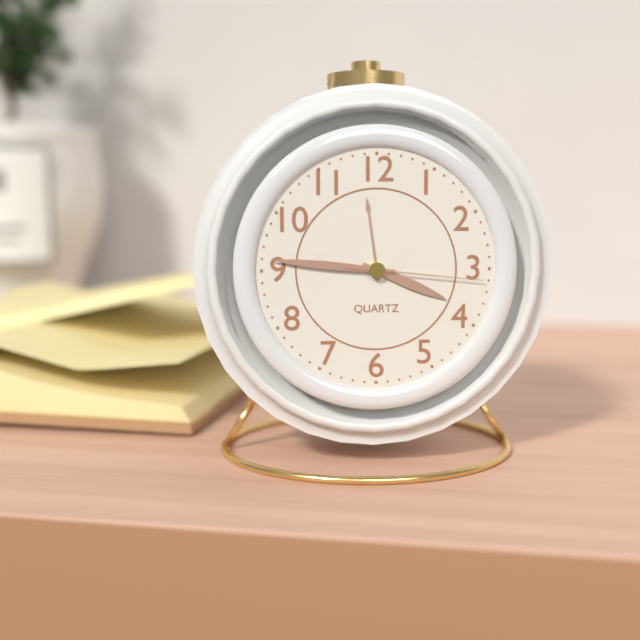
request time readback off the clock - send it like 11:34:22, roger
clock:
3:46:16
